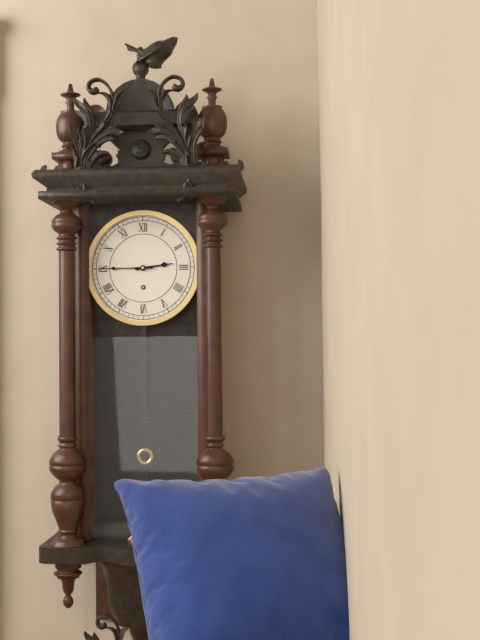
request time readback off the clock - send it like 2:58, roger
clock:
2:45
